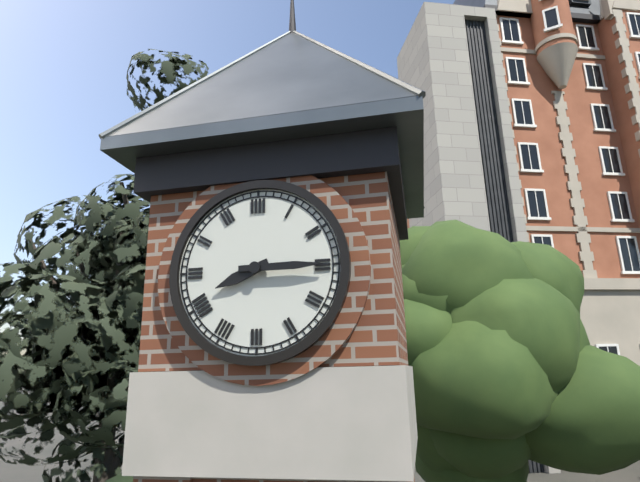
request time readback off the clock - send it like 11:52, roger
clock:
8:15
